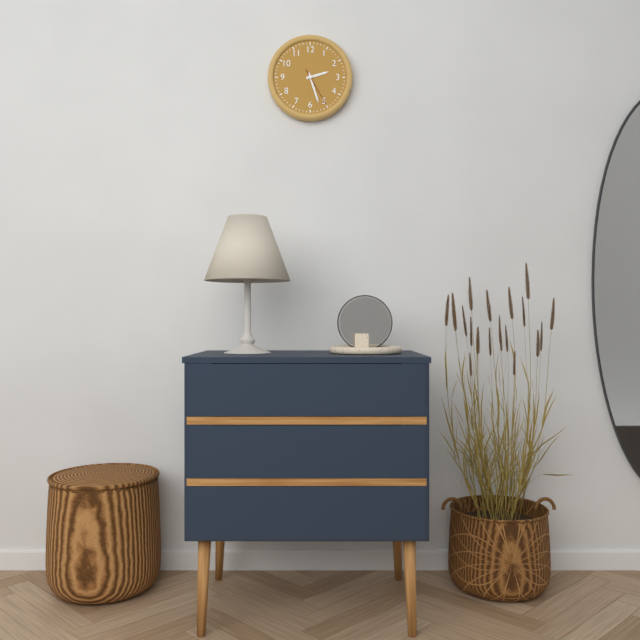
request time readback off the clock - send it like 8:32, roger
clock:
2:27
